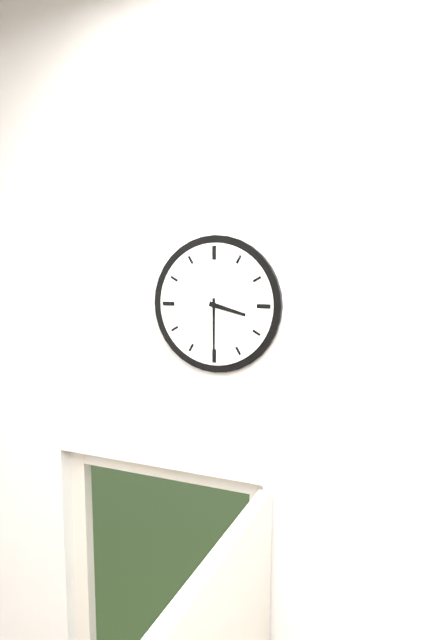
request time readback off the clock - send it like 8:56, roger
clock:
3:30
